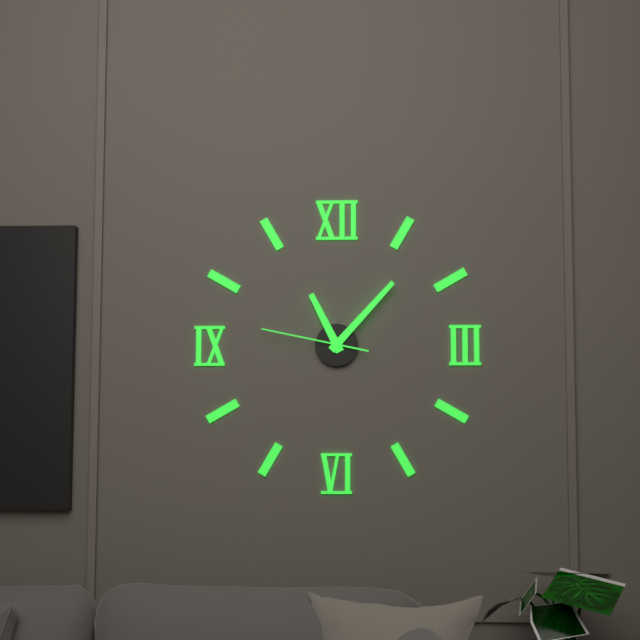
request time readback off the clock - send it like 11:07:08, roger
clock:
11:07:47
